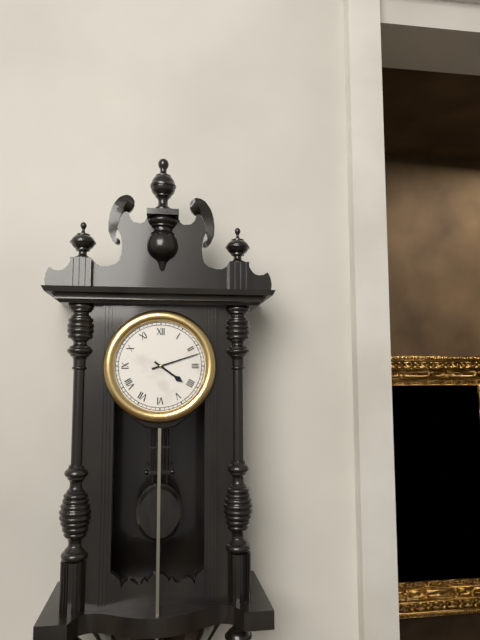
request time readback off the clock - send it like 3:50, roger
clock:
4:12
